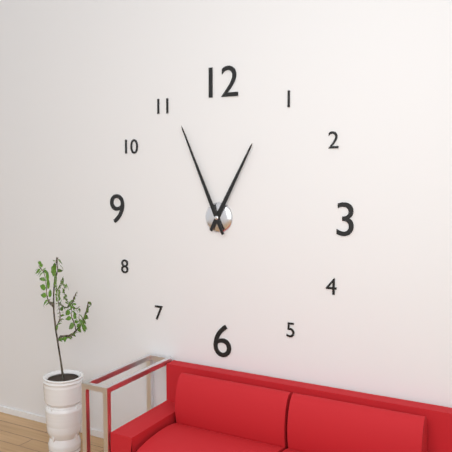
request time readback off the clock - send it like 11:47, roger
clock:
12:56
